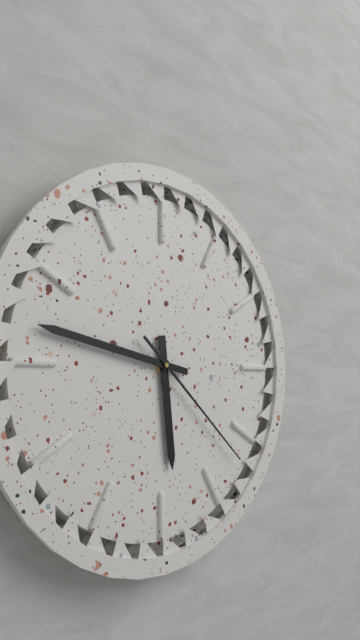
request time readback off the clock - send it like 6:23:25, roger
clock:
5:47:22
